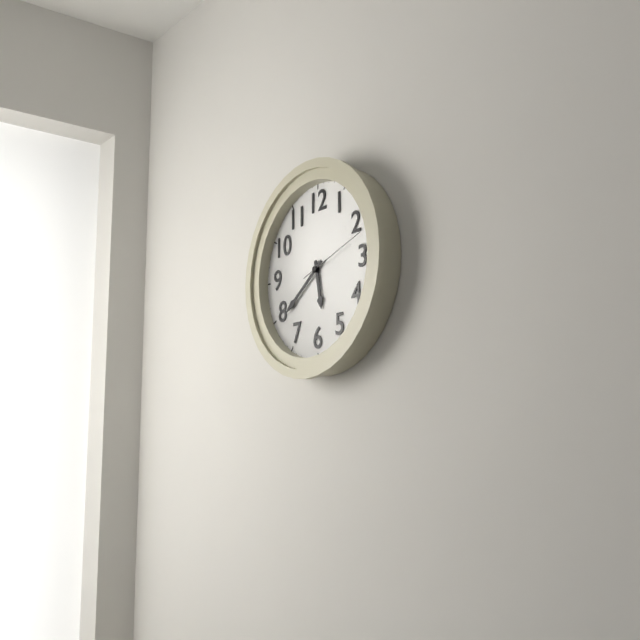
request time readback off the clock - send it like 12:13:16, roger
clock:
5:39:12
